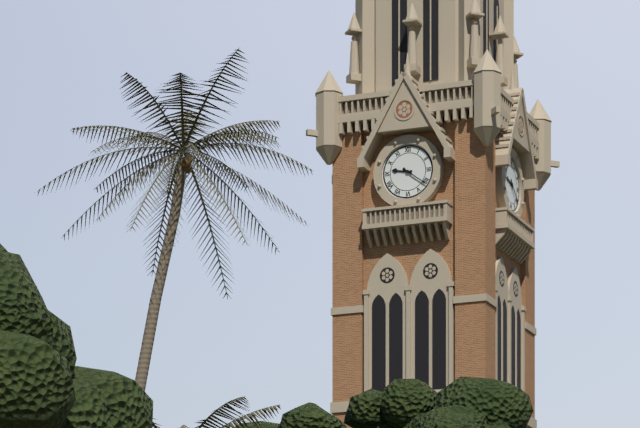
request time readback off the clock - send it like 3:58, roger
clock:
9:21
